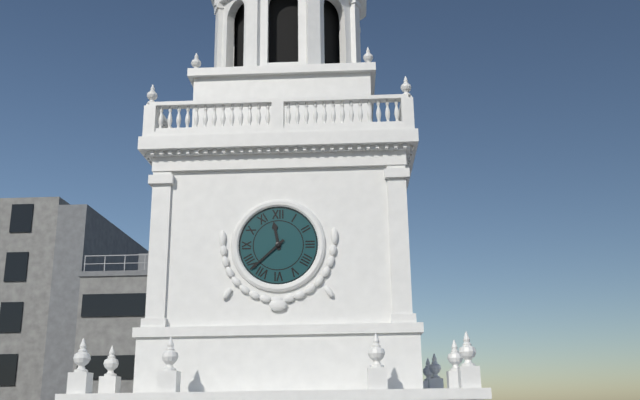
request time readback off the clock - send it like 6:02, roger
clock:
11:38
